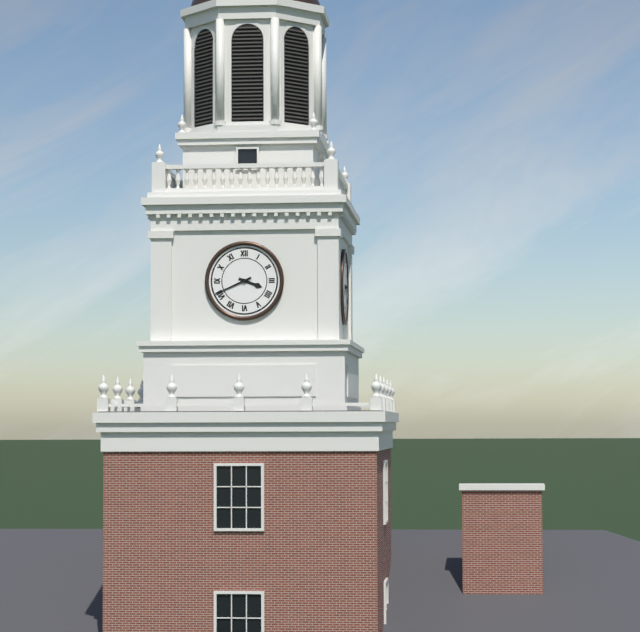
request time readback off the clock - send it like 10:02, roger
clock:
3:41
